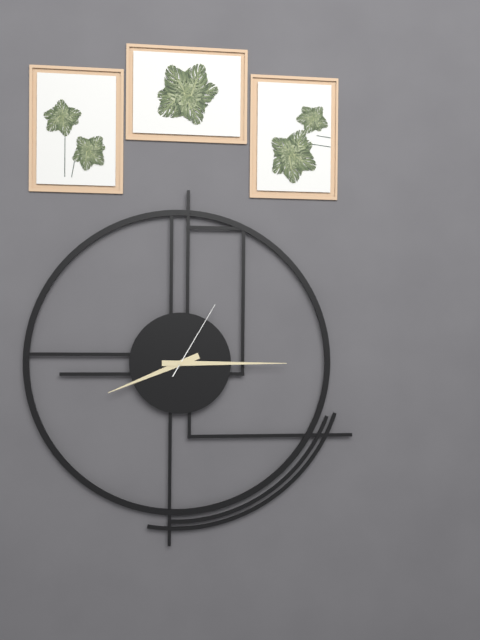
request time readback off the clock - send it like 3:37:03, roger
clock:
8:15:05
